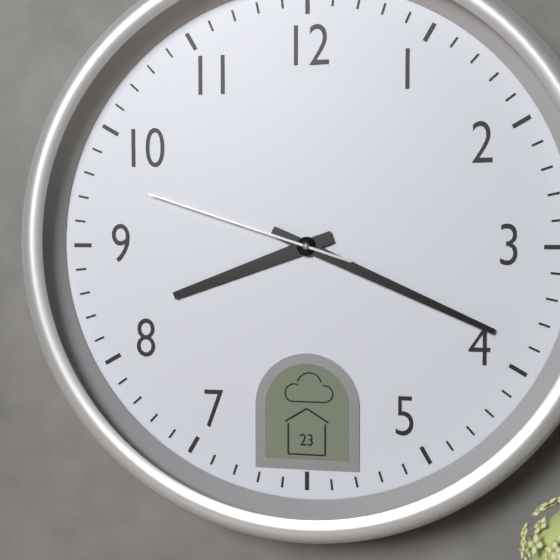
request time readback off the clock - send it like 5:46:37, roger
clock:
8:19:48
